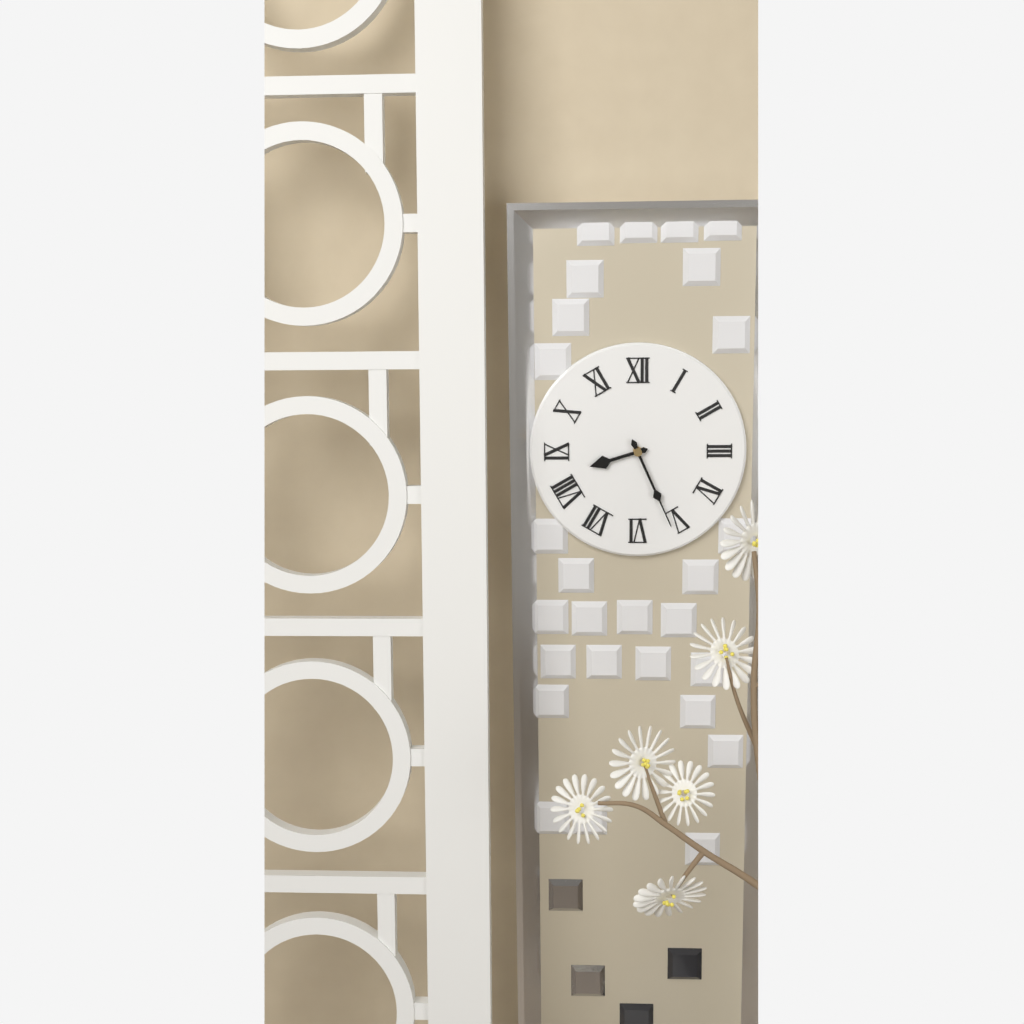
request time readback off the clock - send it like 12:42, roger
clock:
8:26
